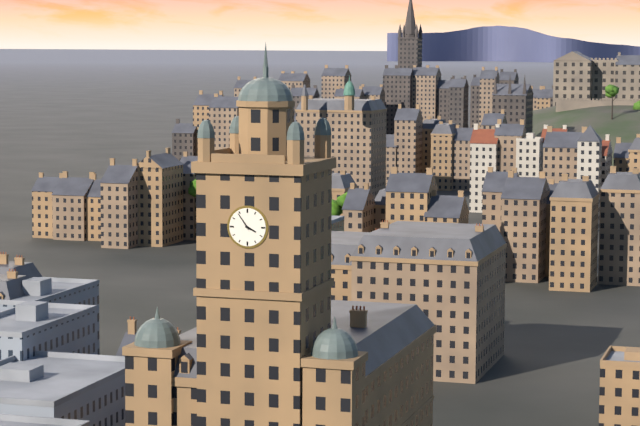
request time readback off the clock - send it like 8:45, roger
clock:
3:54
